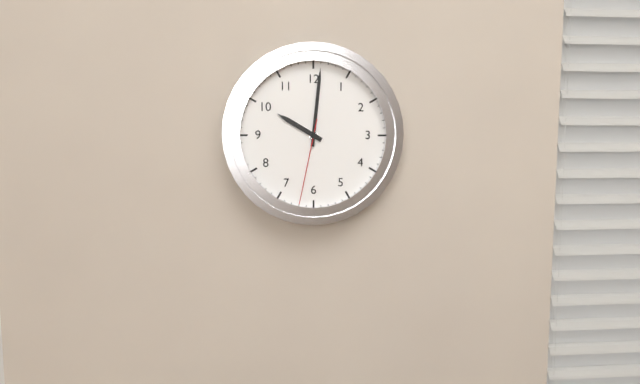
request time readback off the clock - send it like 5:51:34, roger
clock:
10:01:32
